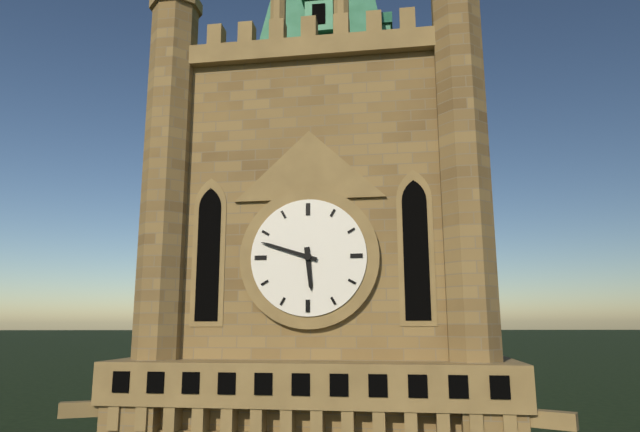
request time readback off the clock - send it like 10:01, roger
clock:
5:48
